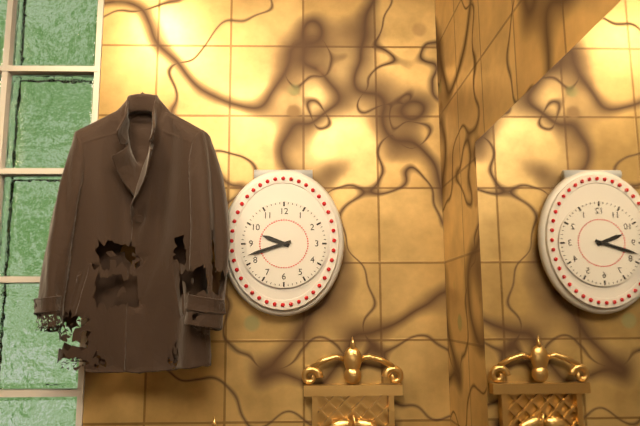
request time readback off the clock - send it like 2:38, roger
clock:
9:42
